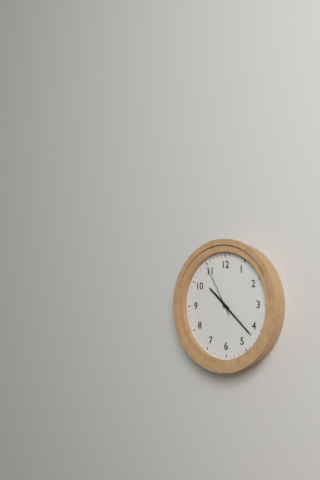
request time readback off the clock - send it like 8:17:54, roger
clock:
10:22:55
